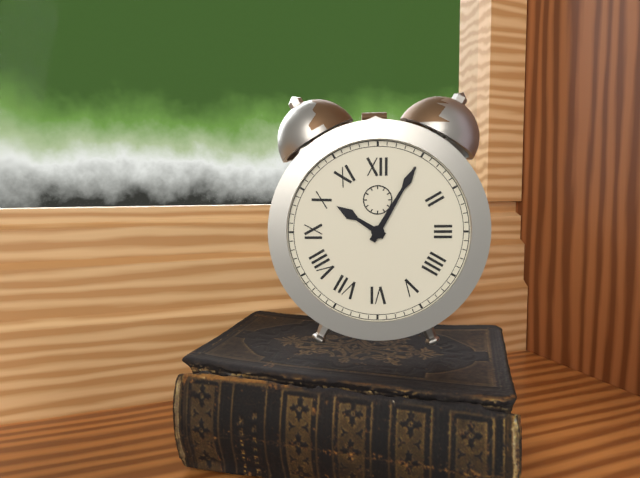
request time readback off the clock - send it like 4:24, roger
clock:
10:05
